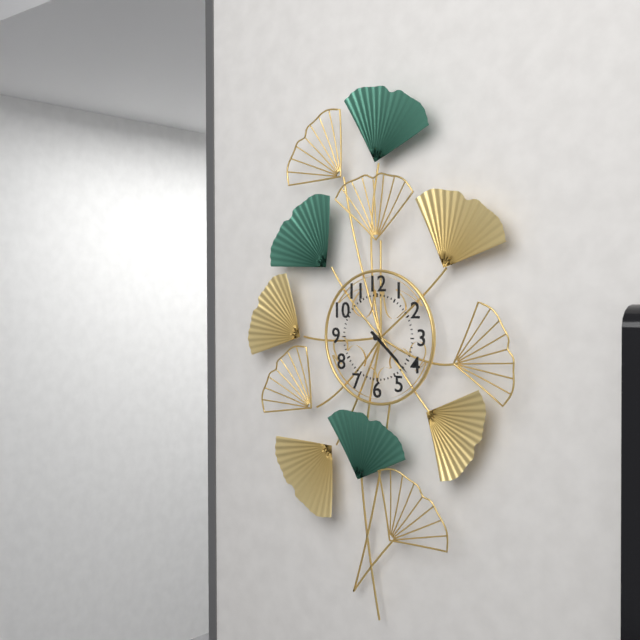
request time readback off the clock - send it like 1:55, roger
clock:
4:22
